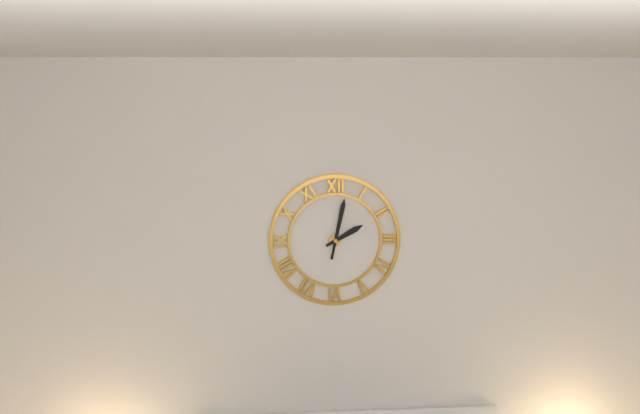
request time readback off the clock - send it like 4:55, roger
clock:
2:02
